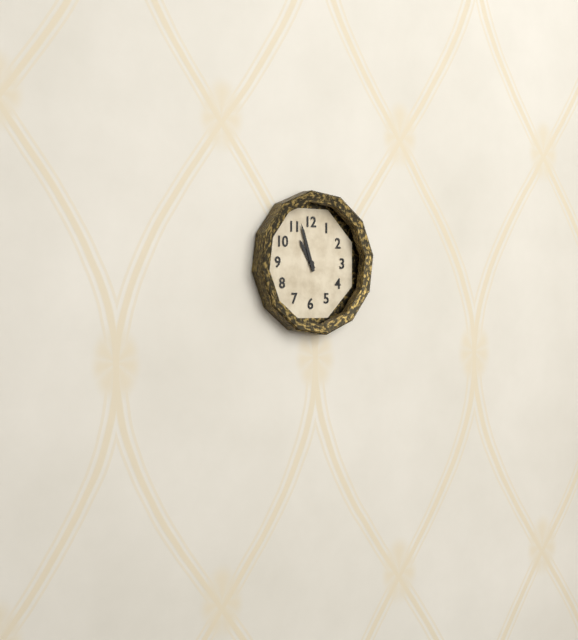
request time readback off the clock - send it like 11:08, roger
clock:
10:57
